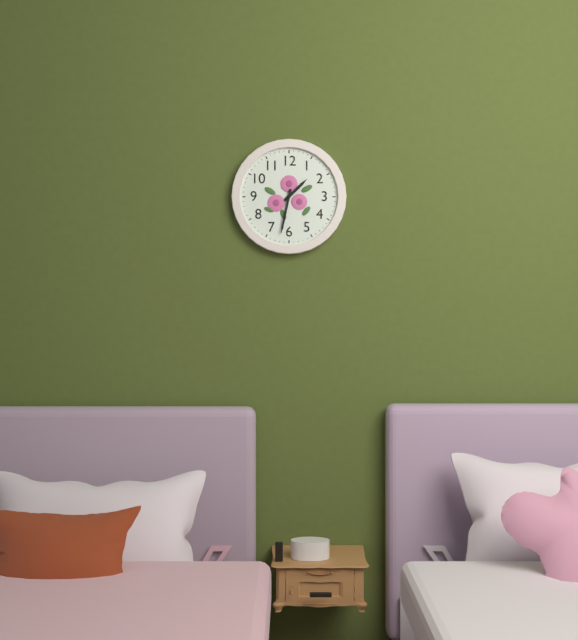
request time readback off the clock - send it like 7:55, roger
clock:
1:32
